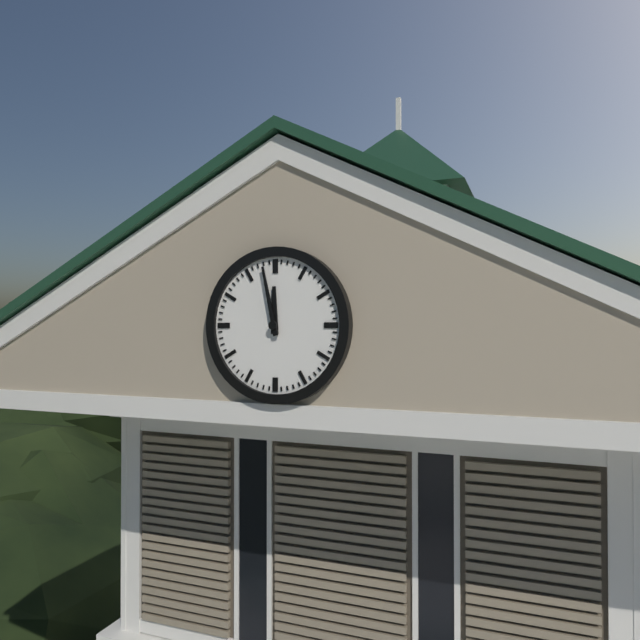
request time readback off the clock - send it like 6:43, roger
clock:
11:58
